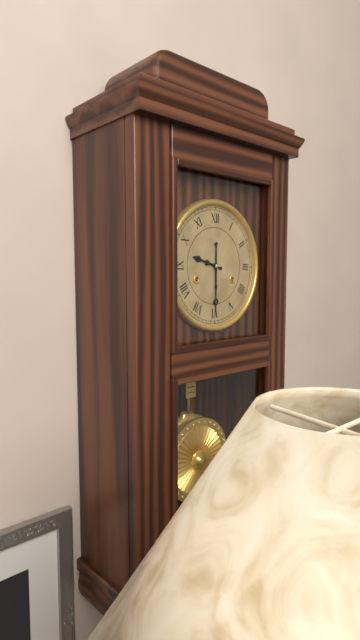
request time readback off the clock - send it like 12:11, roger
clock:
9:30
